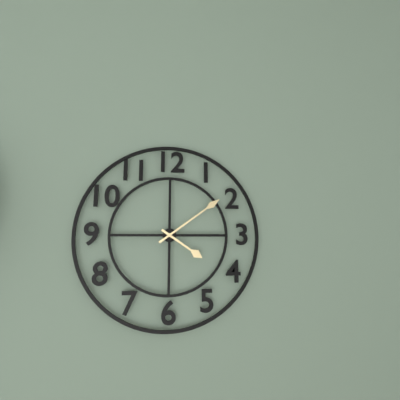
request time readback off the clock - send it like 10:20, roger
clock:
4:09
